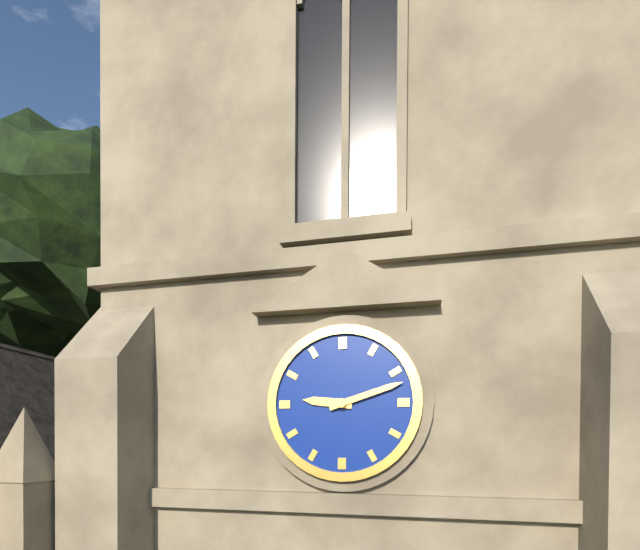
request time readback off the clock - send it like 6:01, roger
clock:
9:12
